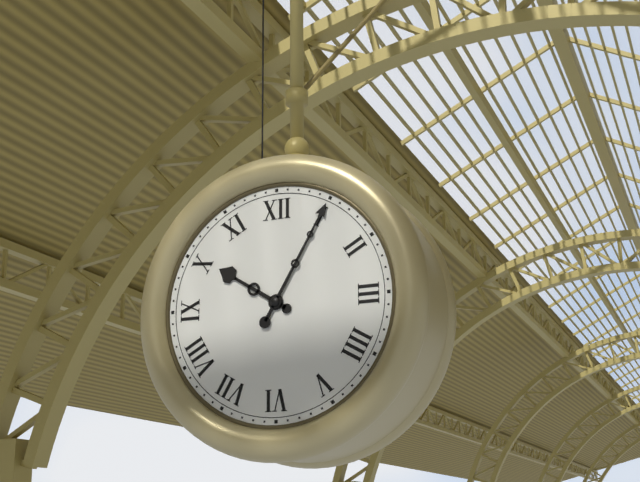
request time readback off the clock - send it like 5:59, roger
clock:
10:05
